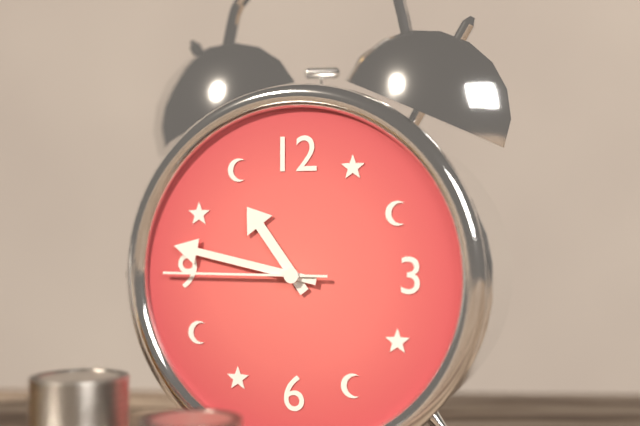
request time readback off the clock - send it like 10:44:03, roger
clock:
10:47:45
